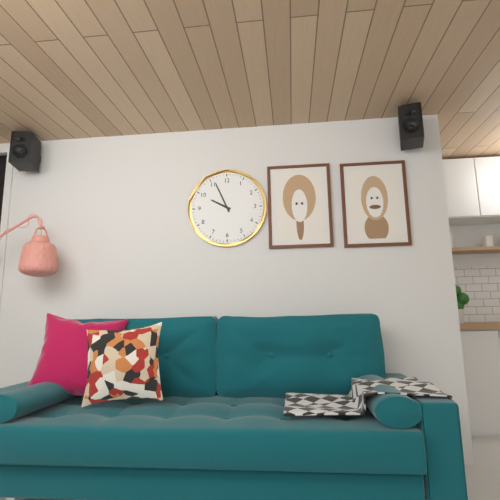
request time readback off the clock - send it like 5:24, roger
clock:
9:56
